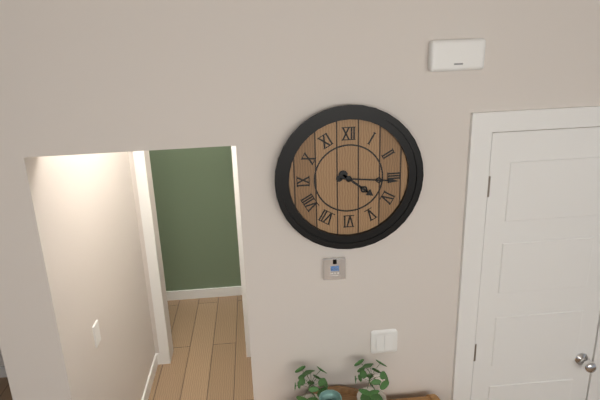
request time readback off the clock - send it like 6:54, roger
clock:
4:16
